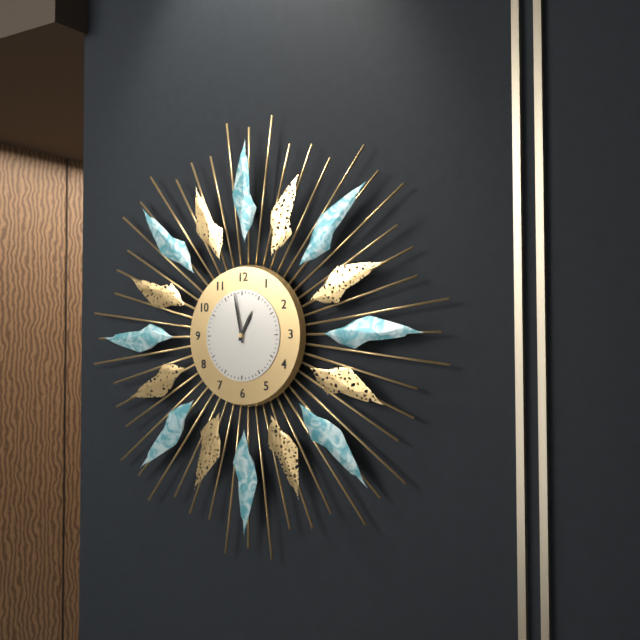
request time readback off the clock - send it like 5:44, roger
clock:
12:58
